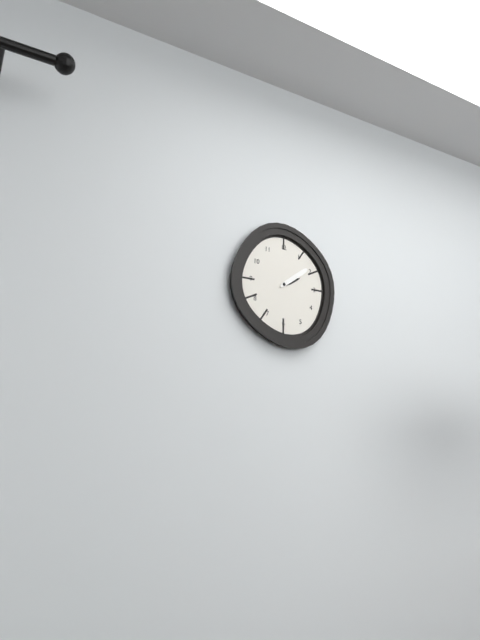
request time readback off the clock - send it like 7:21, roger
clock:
2:09
